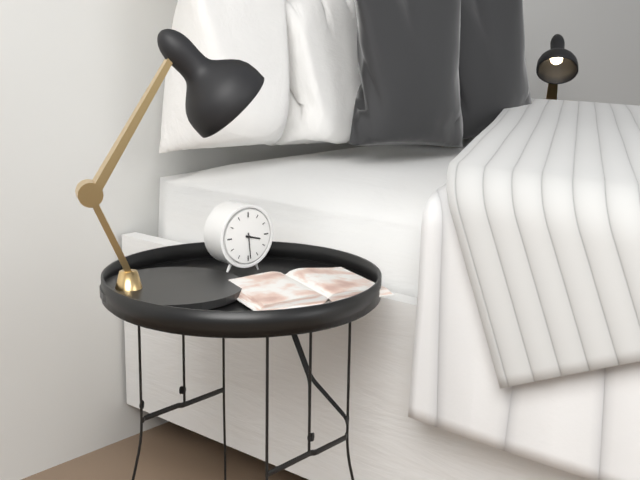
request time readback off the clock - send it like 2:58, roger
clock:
3:29
